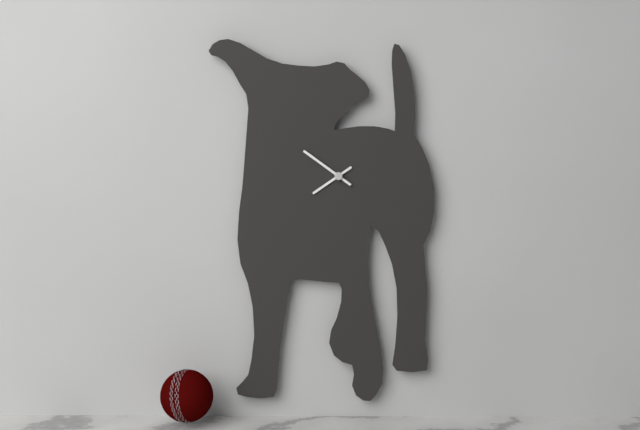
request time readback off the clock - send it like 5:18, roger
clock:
7:51
